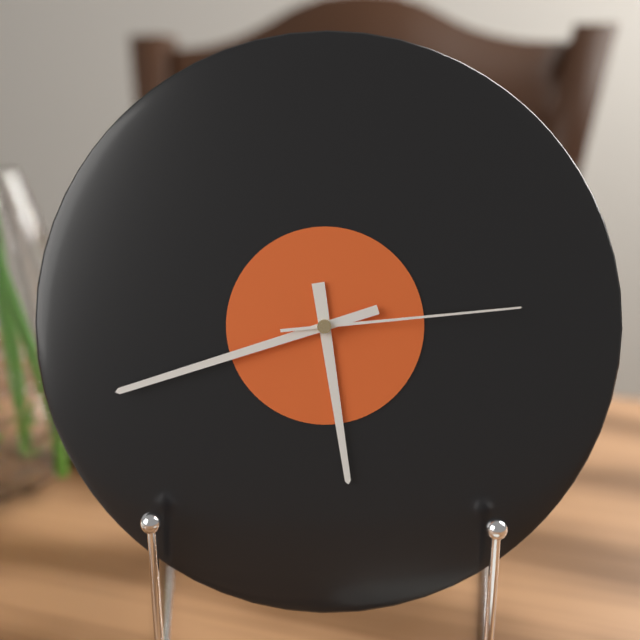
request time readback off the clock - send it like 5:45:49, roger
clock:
5:42:14
